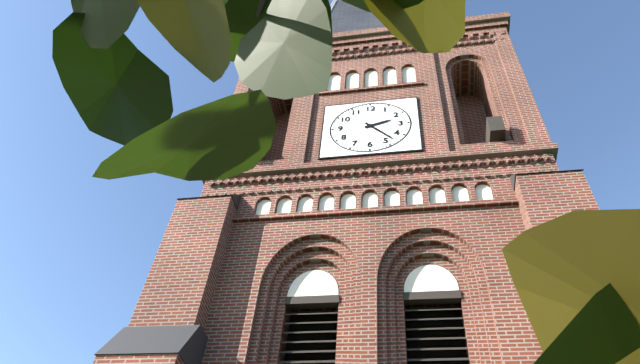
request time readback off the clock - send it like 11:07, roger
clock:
2:23
